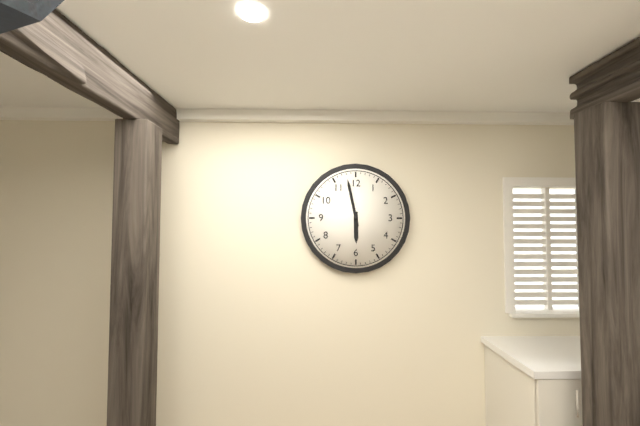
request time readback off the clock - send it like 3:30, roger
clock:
5:58
